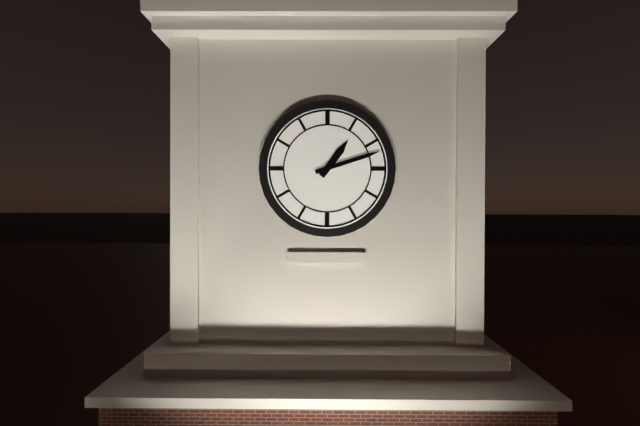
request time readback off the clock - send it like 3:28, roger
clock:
1:12
